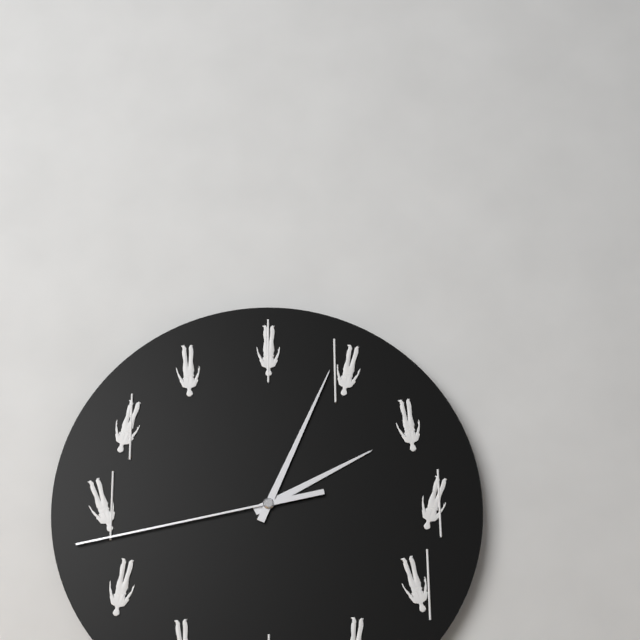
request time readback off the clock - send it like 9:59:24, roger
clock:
2:04:43
